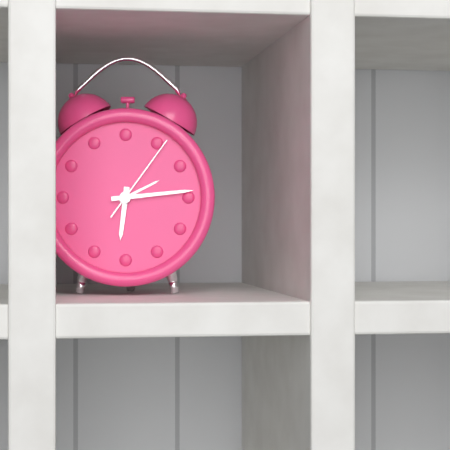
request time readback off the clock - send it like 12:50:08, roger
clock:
6:14:06
